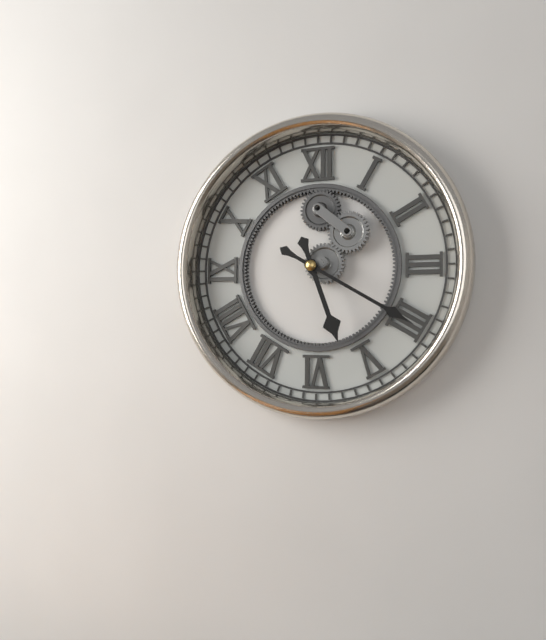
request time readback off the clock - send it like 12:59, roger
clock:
5:20
